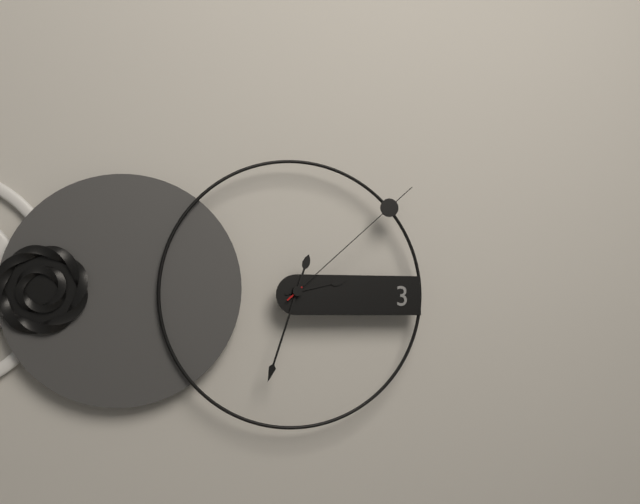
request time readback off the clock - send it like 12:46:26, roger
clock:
2:33:08
